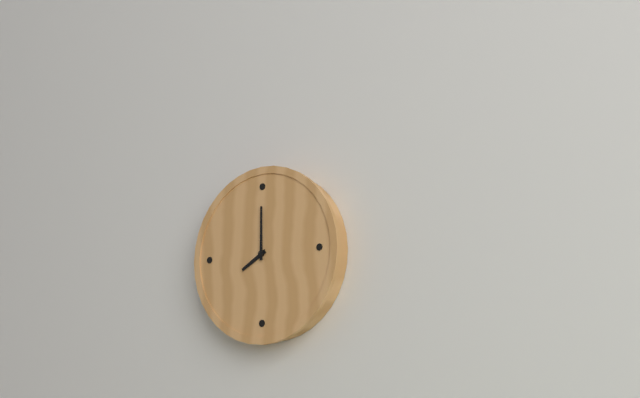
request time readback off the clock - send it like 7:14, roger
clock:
8:00
